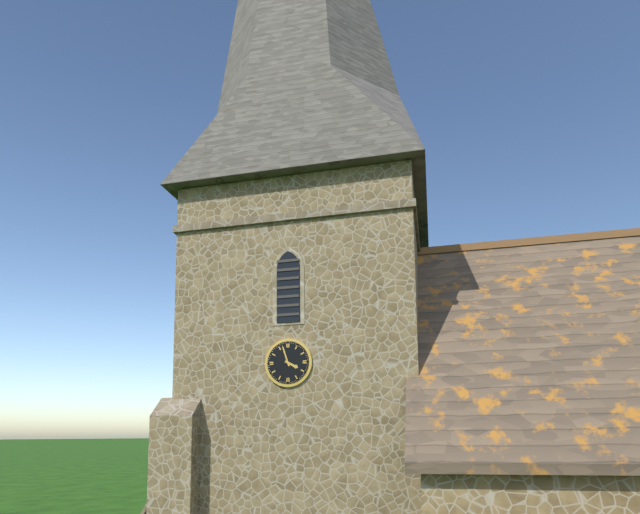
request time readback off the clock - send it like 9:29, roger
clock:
3:57
